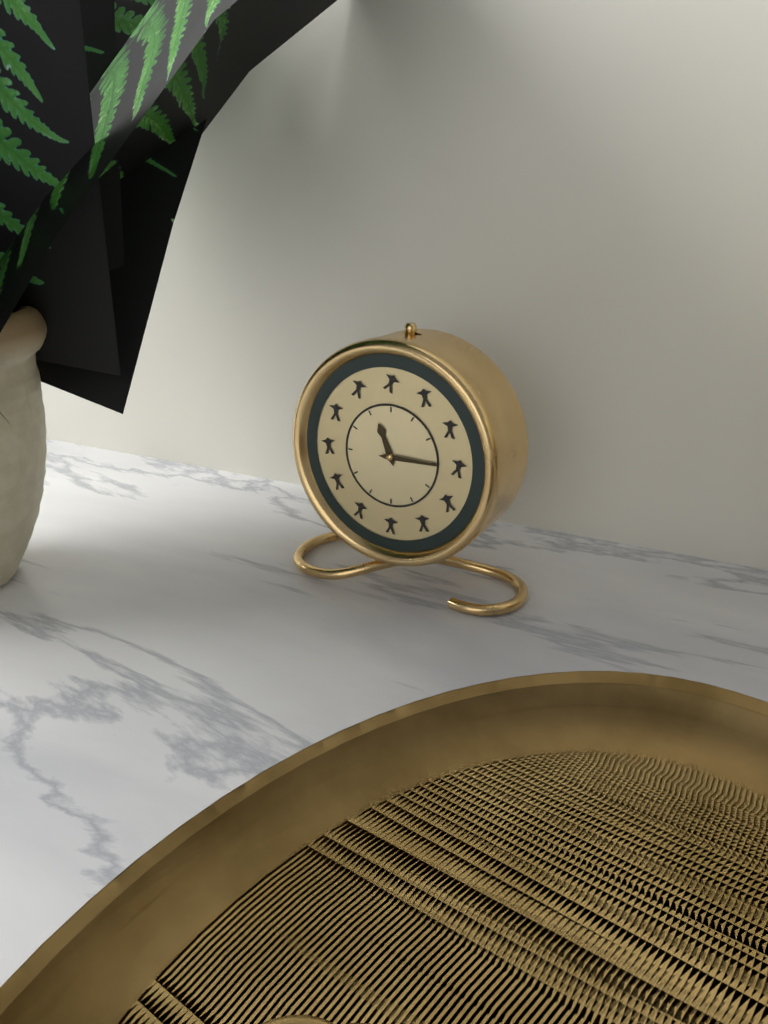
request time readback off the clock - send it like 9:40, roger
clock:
11:15
